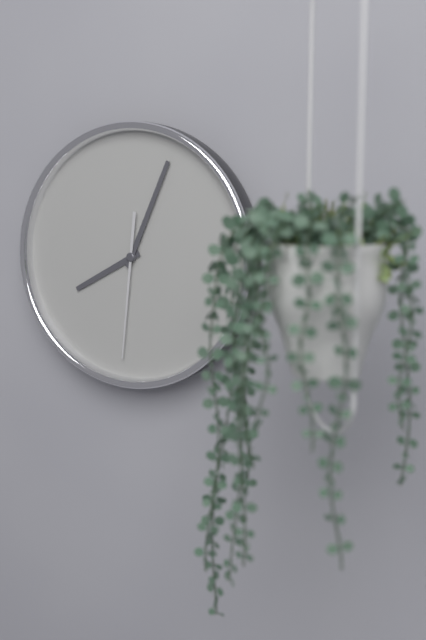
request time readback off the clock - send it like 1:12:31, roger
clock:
8:04:31
